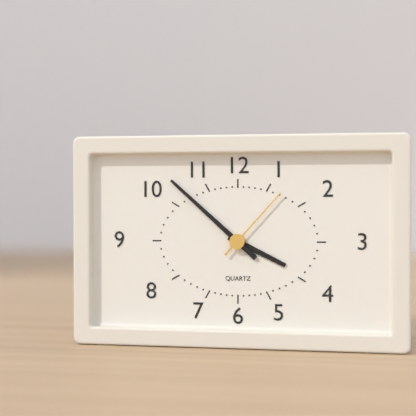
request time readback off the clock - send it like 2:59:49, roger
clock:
3:52:07
